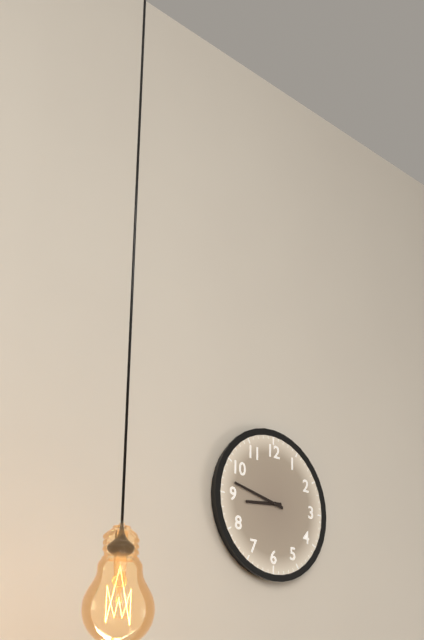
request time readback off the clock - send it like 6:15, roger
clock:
8:47
